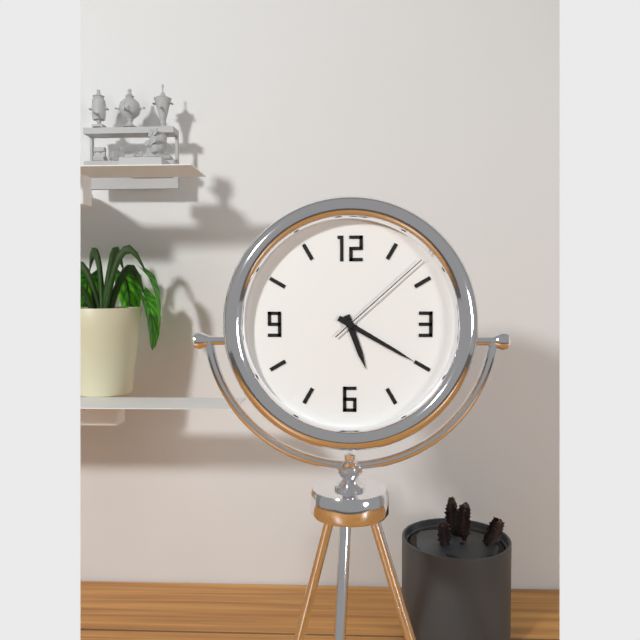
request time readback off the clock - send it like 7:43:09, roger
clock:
5:20:08
